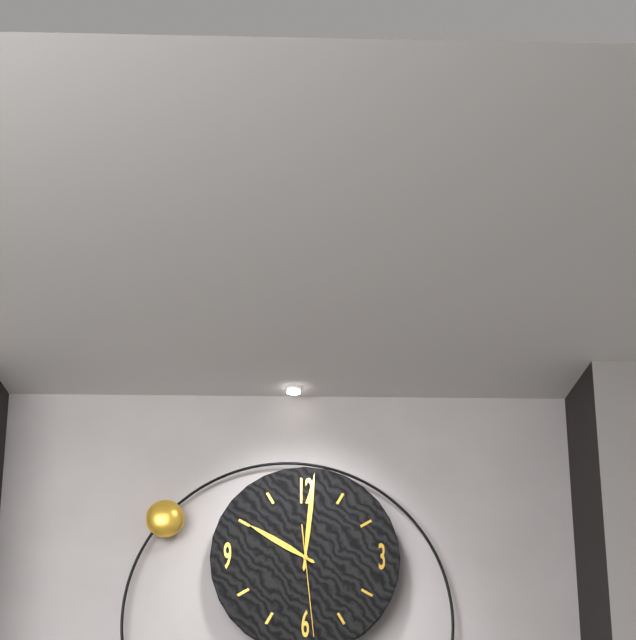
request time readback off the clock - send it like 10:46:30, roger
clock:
10:01:29
